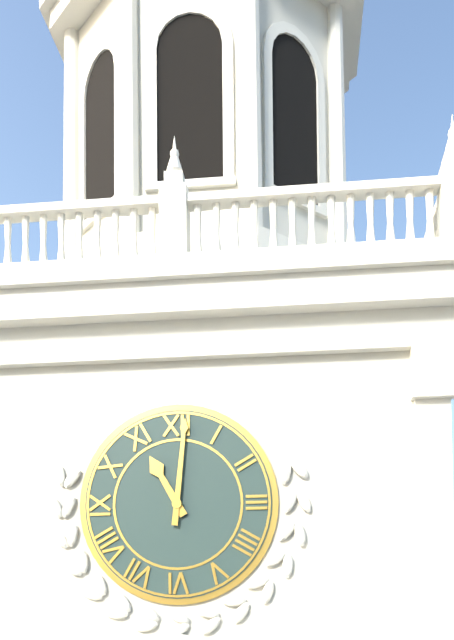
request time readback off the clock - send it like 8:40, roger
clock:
11:01
